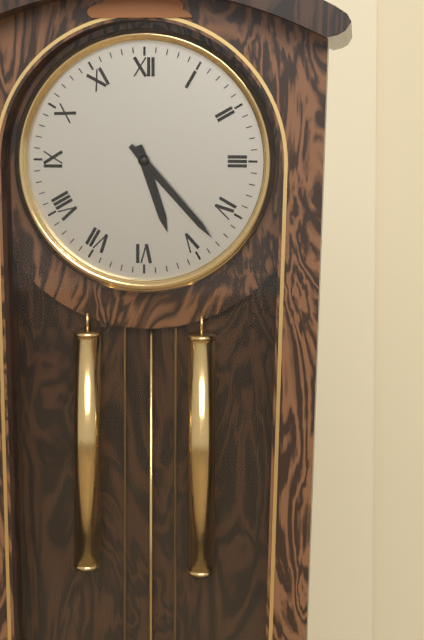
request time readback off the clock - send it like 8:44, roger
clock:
5:23
